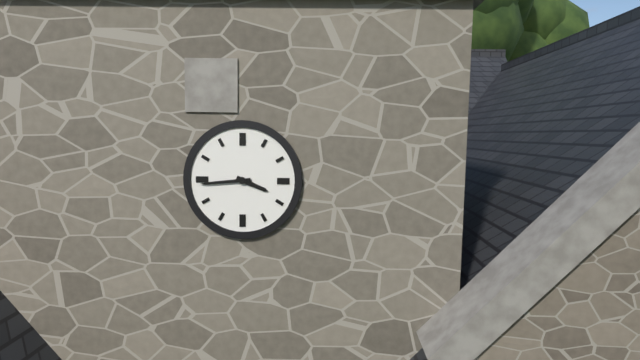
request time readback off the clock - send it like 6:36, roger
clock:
3:44
